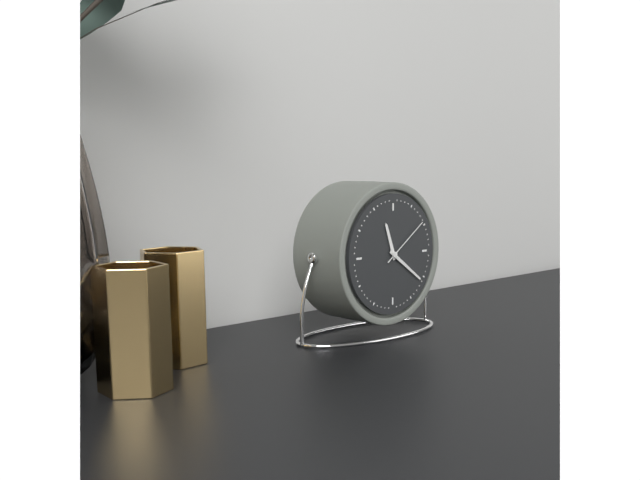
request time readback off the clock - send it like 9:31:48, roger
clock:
11:21:09
